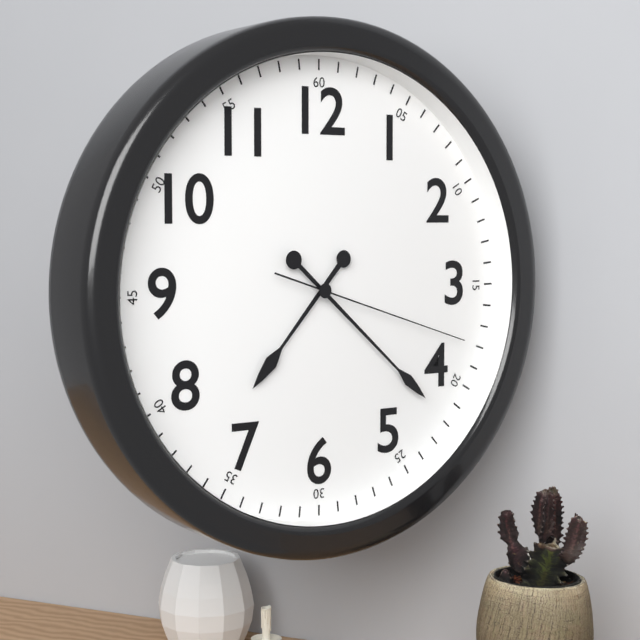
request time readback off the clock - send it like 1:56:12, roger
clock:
7:22:18
